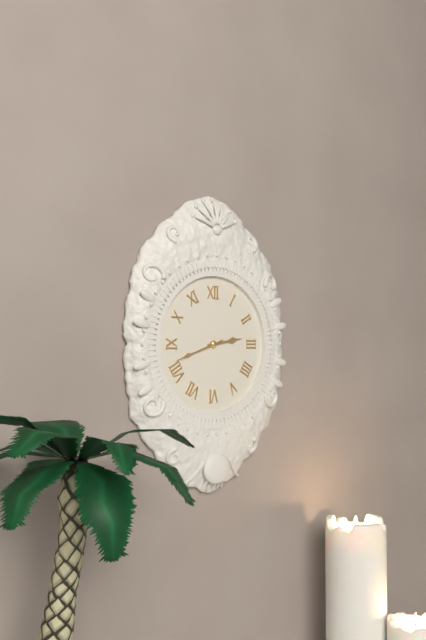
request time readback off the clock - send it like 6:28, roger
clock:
2:42
